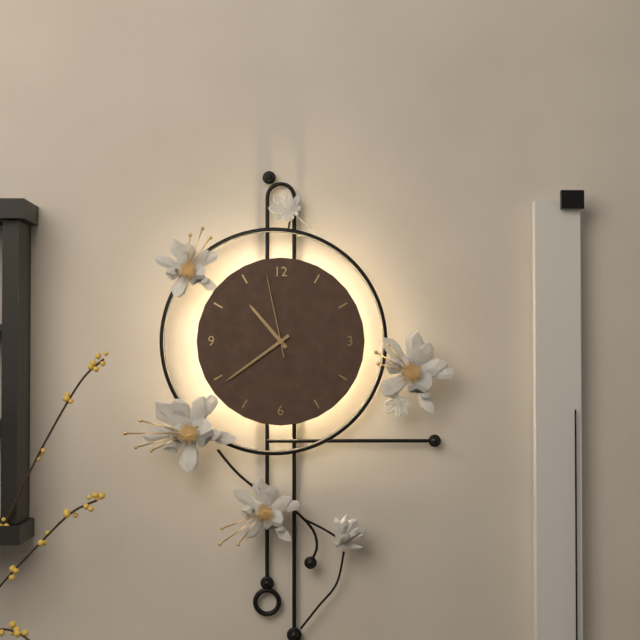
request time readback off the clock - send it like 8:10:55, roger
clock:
10:39:58
